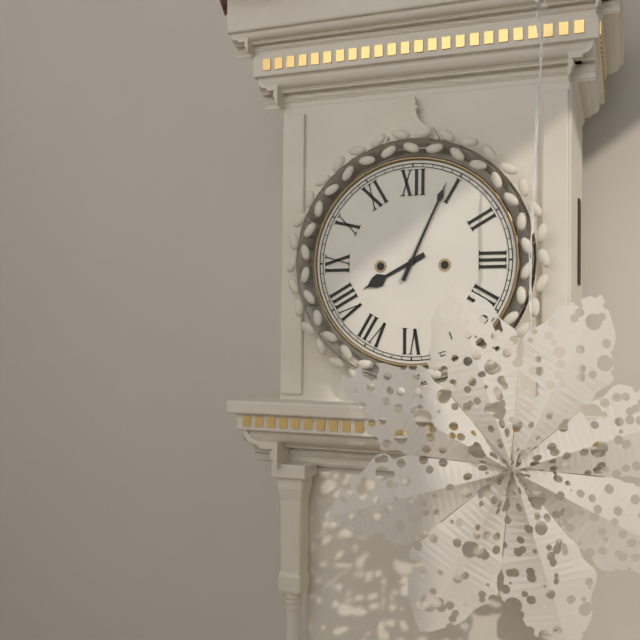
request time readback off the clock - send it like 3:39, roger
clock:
8:04
